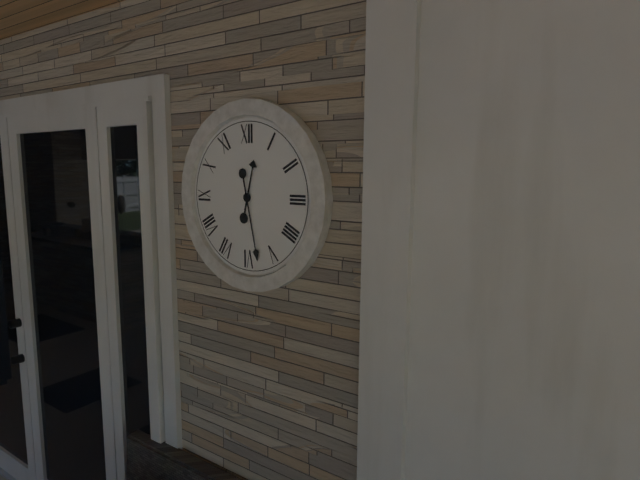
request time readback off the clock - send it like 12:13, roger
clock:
12:28
